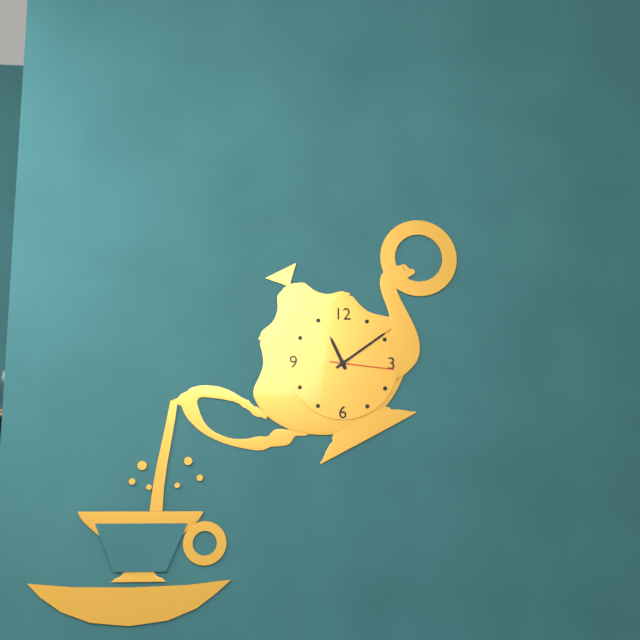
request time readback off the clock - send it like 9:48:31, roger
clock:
11:09:16
